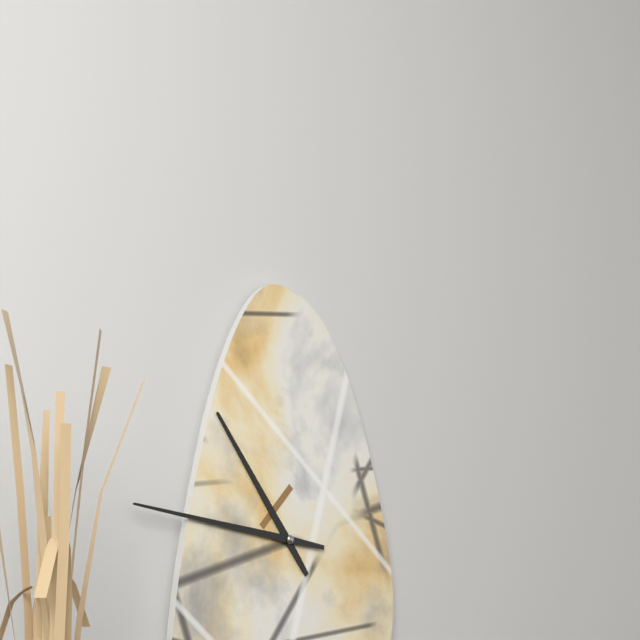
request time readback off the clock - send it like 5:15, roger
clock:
10:46
